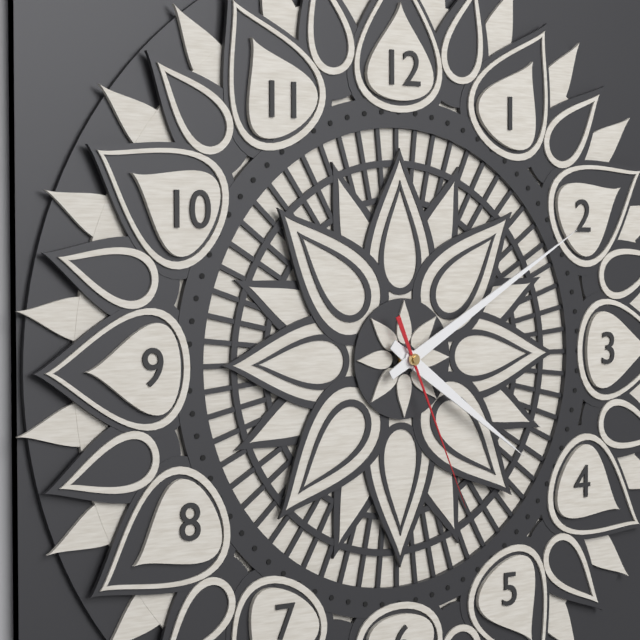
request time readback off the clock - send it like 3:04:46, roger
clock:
4:10:26
